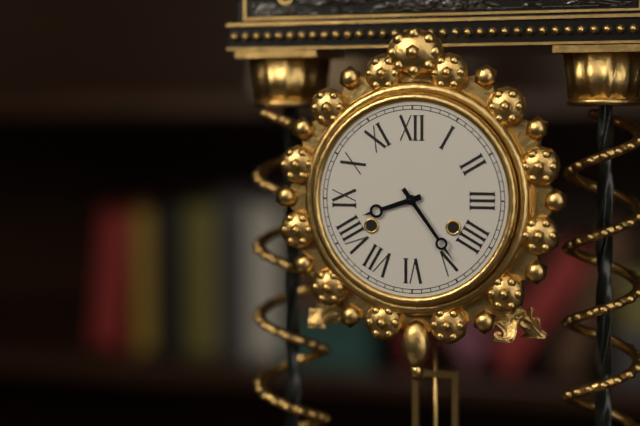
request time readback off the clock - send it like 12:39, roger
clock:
8:24
